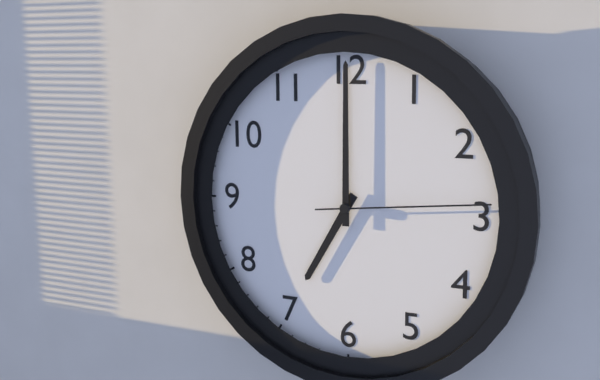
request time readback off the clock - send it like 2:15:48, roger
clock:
7:00:14
